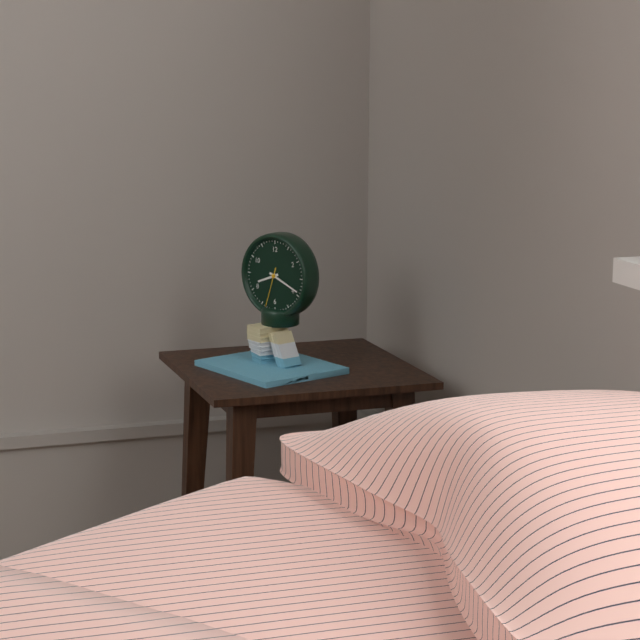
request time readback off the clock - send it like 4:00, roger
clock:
8:19
